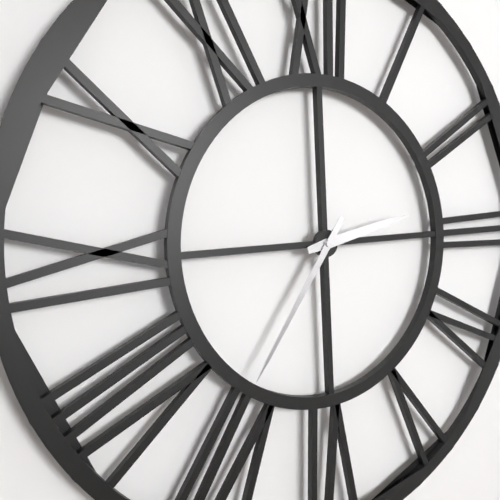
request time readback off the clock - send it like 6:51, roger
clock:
2:36
